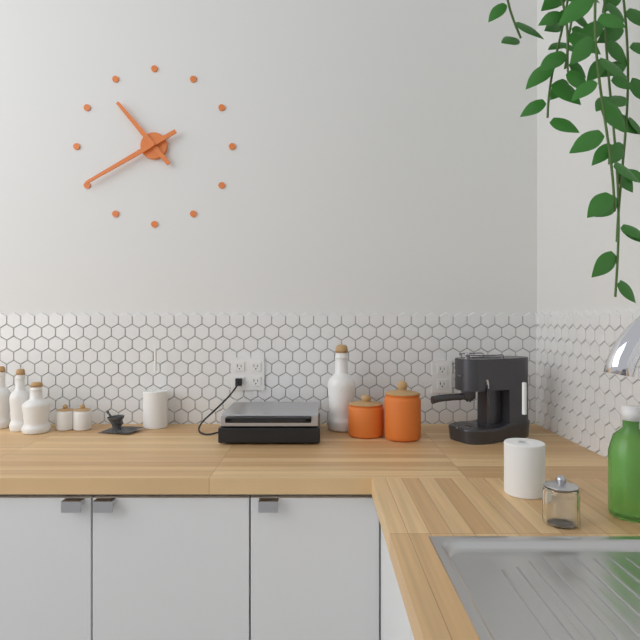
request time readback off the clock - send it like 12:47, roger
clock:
10:40
